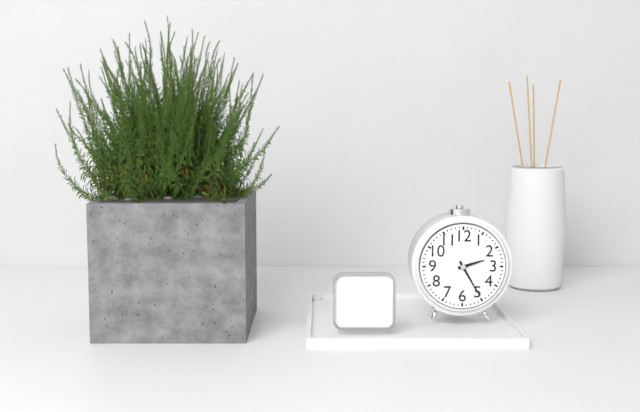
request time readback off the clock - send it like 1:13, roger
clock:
2:25
